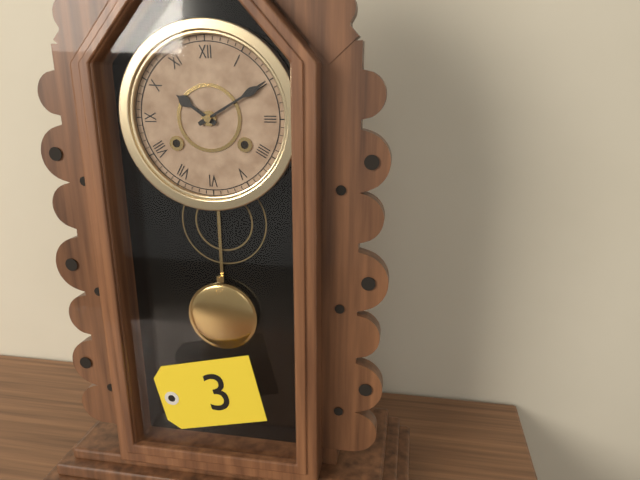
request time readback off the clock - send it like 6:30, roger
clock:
10:10
